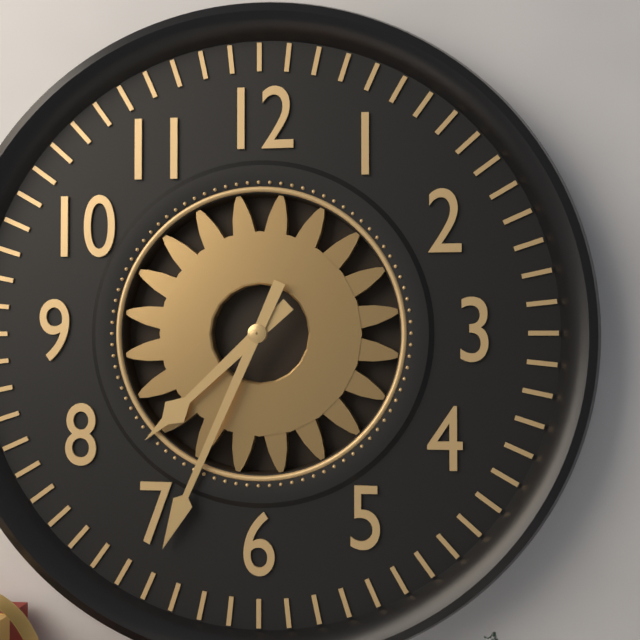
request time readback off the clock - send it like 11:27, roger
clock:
7:34
